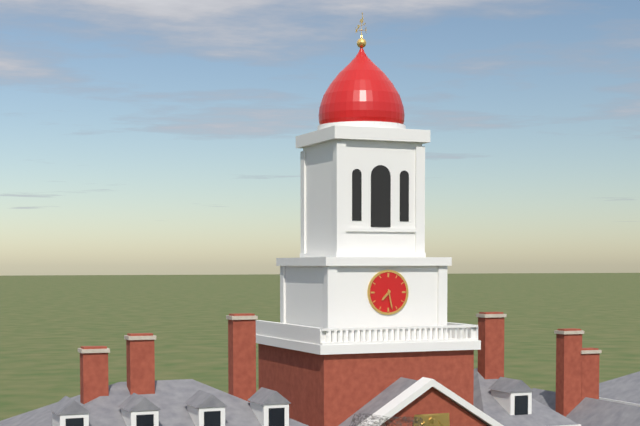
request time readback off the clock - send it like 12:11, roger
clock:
7:28
